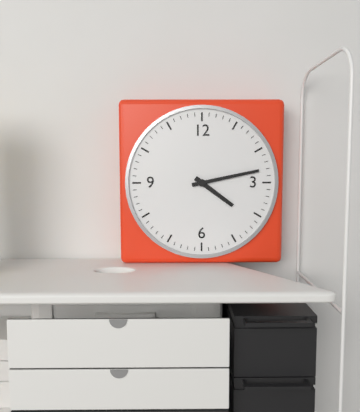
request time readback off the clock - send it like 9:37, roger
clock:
4:13
